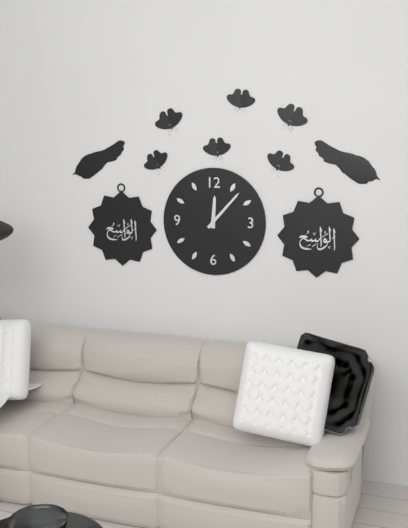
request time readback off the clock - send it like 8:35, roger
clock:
12:07
